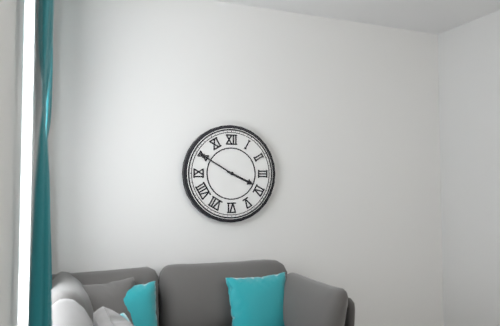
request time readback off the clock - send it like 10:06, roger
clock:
3:50
